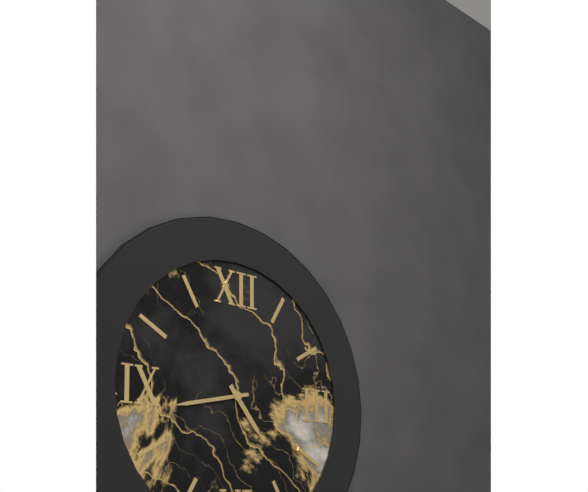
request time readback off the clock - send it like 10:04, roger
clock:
4:43
